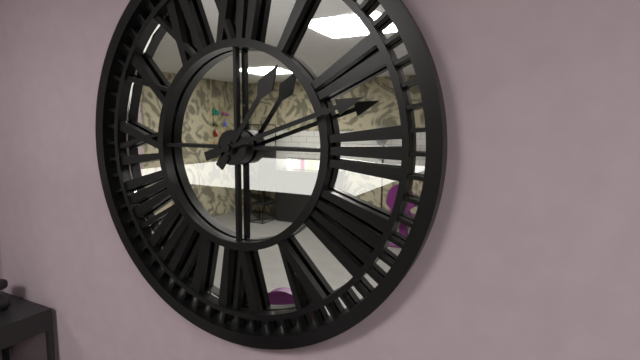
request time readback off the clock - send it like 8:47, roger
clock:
1:12
